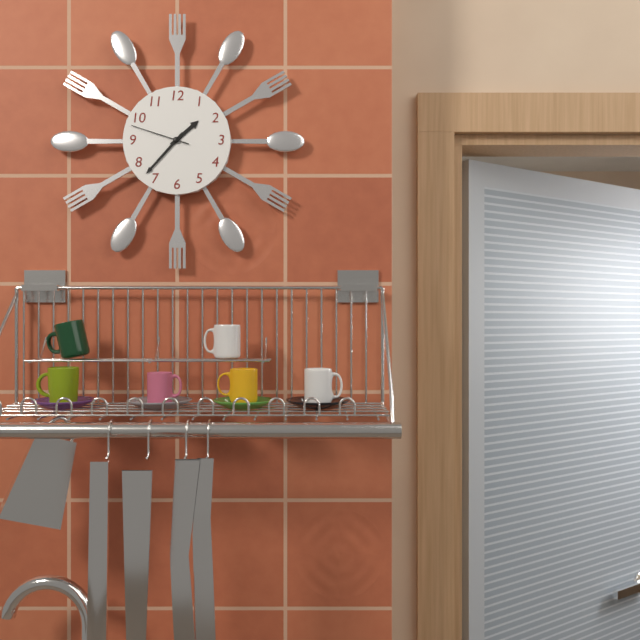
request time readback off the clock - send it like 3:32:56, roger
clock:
1:37:48
